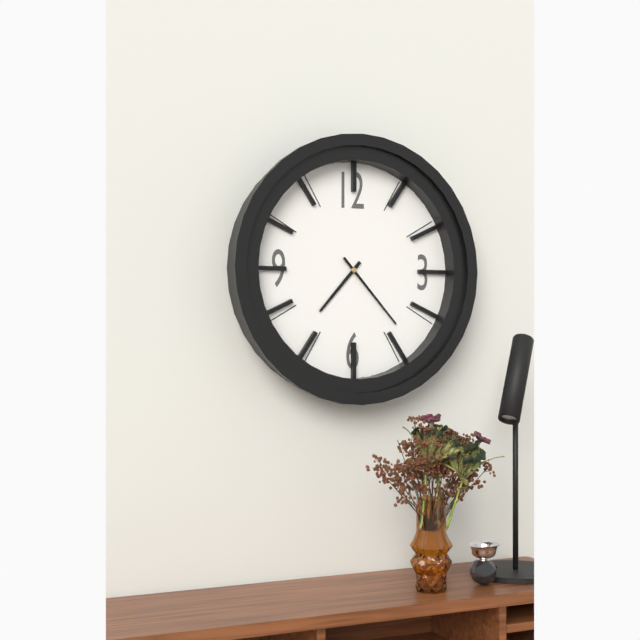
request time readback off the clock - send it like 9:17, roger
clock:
7:23
